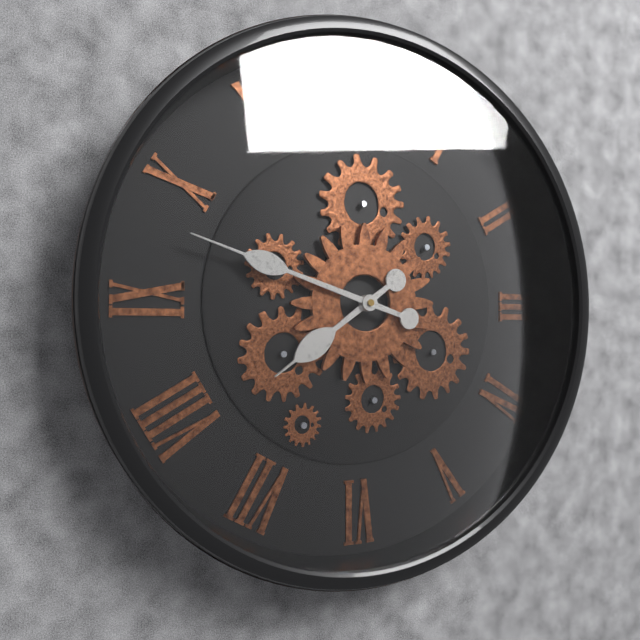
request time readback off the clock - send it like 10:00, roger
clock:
7:48
